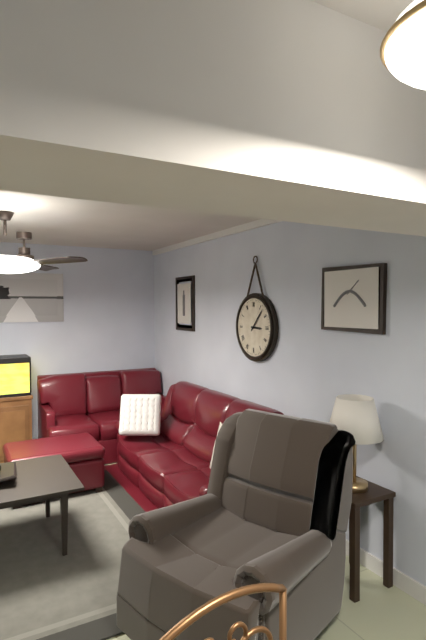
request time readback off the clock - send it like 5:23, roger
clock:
3:07
